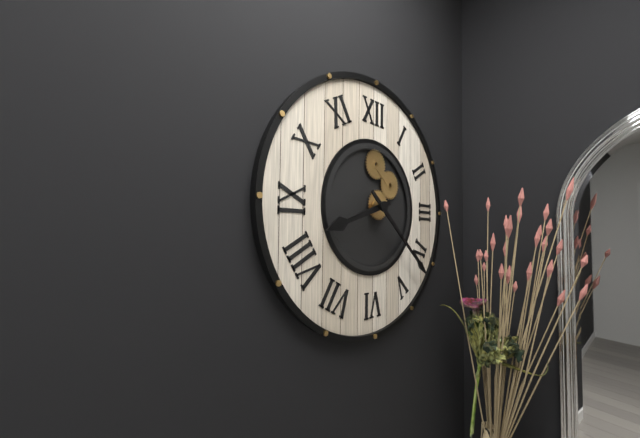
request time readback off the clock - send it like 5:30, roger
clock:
8:22
